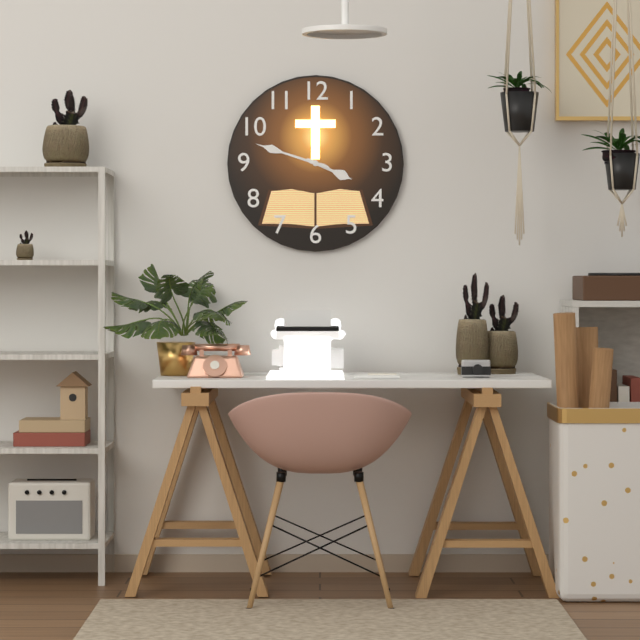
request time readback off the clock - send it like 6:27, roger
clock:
3:48
